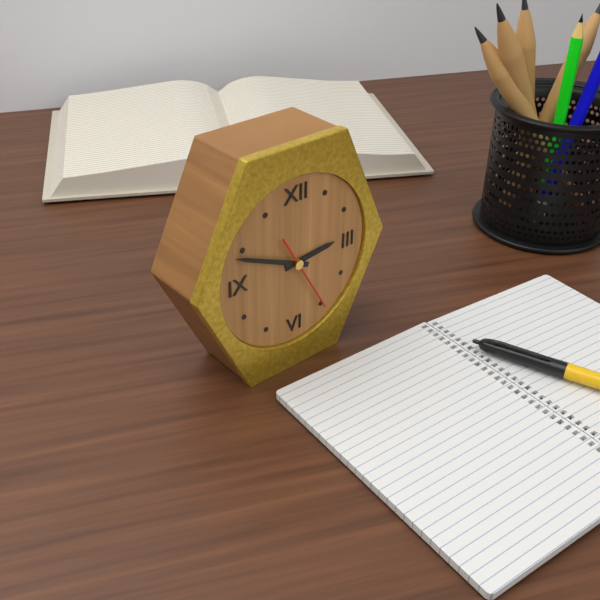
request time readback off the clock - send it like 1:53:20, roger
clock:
2:49:25
